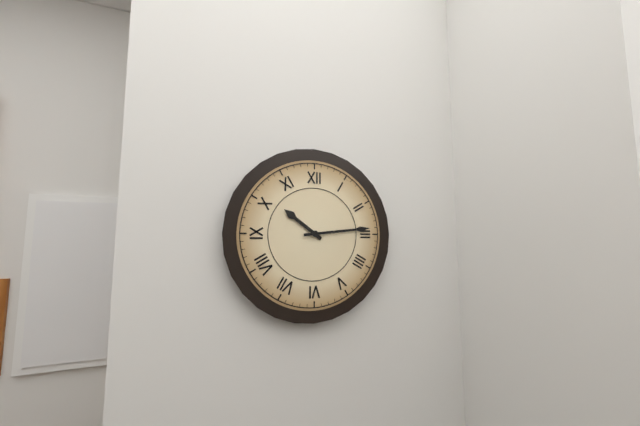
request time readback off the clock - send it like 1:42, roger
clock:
10:14
